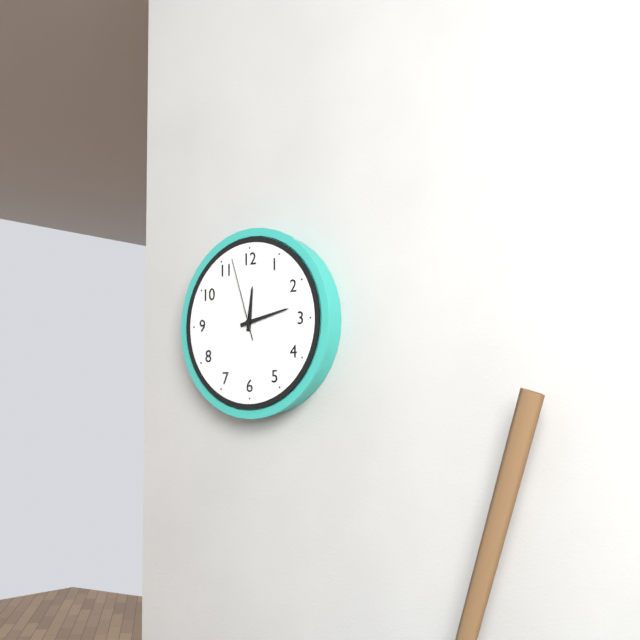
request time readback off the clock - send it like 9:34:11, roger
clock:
12:13:57
